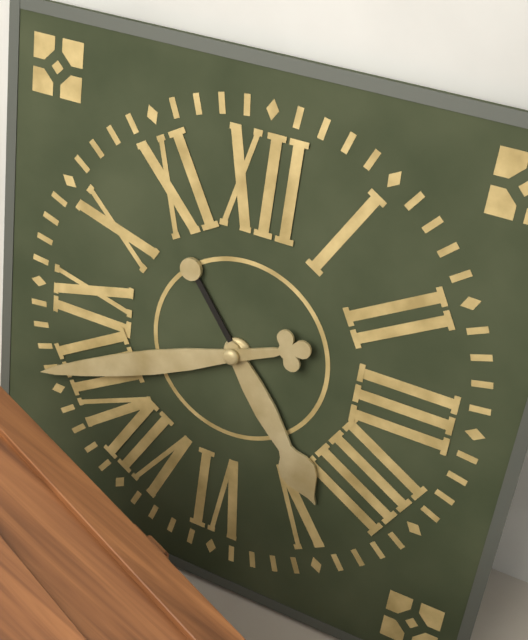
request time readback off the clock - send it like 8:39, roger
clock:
4:41
